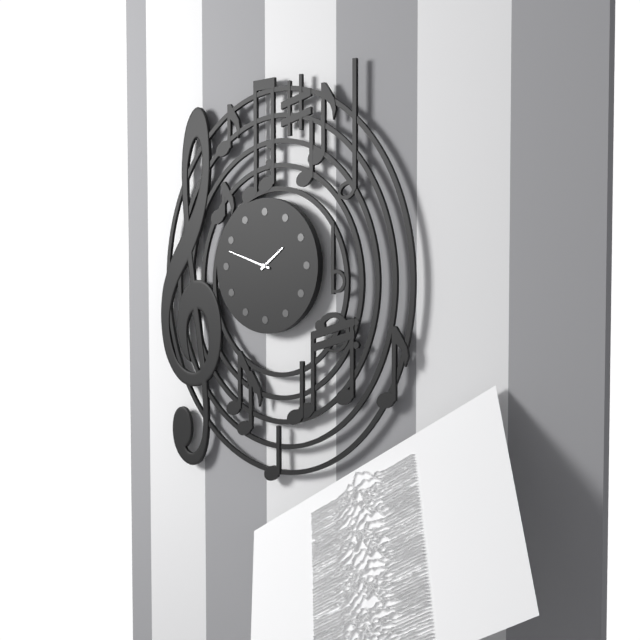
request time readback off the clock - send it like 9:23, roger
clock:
1:48
